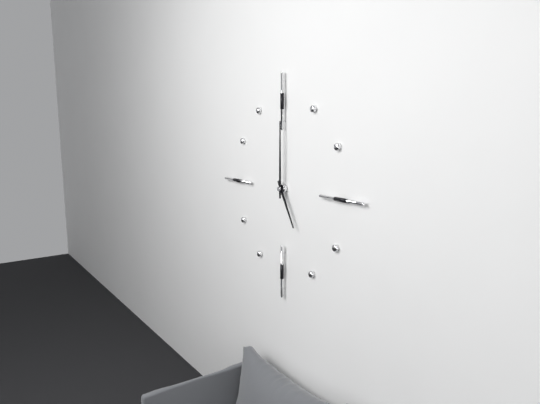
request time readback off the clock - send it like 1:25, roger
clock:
5:00
